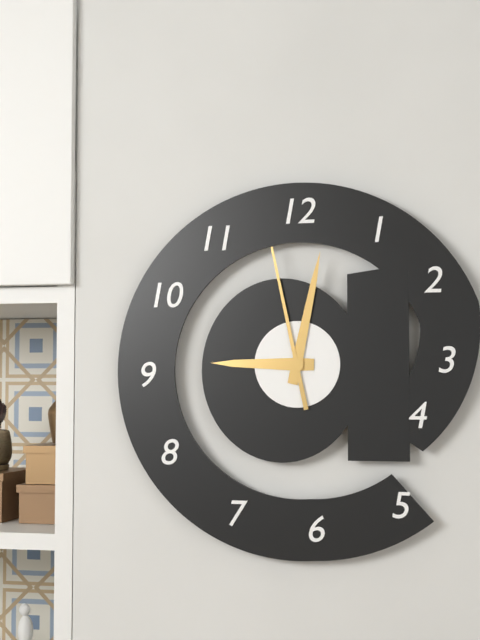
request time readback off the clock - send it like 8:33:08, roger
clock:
9:02:58
